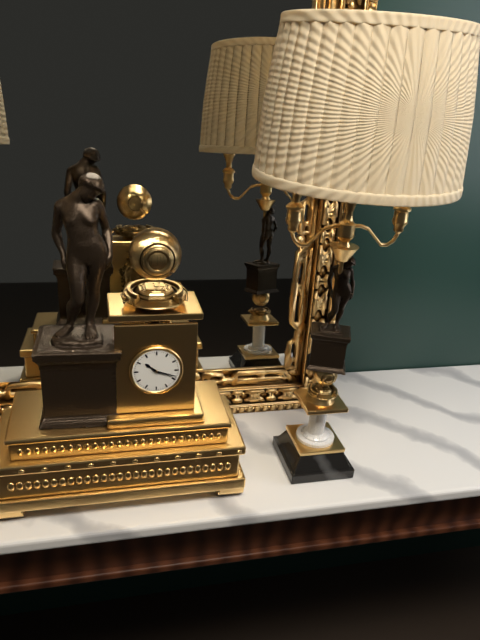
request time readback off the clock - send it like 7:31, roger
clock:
10:18
